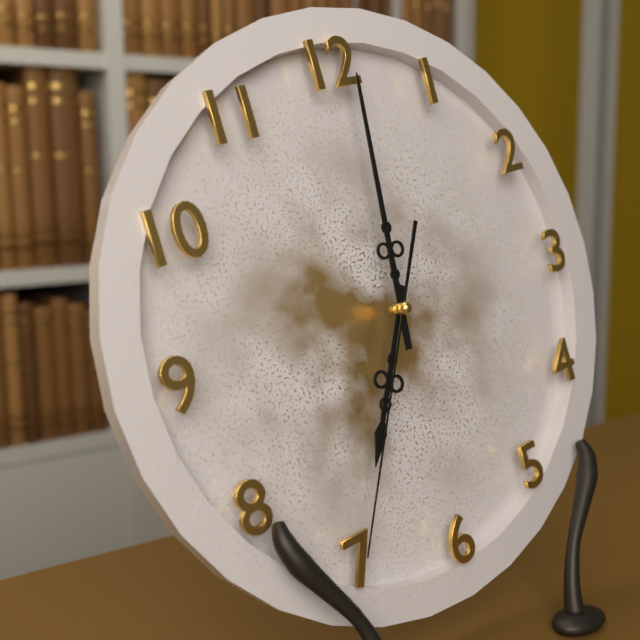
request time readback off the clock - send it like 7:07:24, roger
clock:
7:01:35
